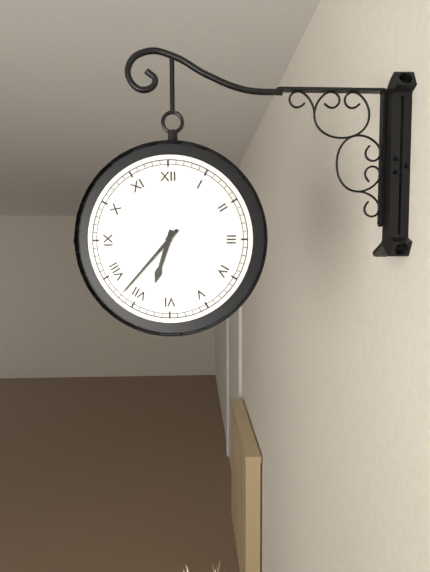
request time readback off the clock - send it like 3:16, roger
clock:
6:37
